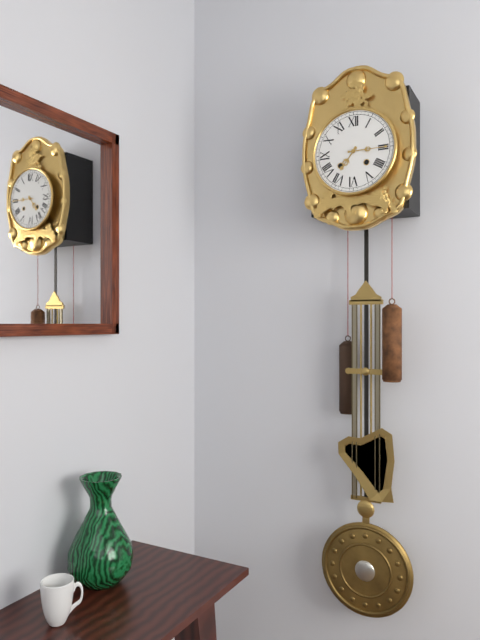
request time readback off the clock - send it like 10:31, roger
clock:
7:15
